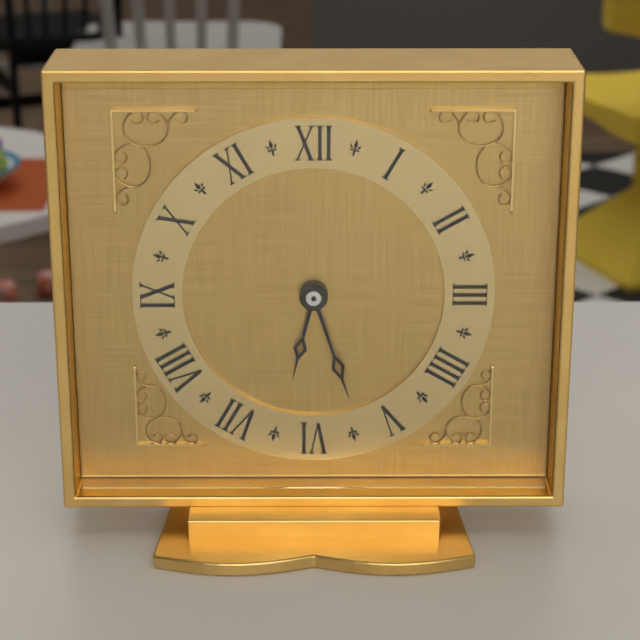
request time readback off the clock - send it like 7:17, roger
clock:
6:27
